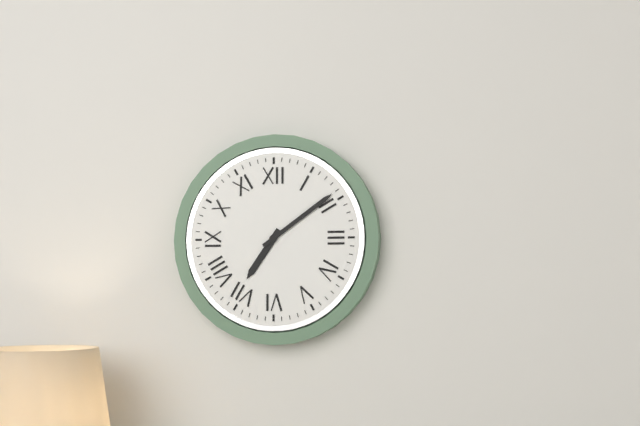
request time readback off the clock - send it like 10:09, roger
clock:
7:09
